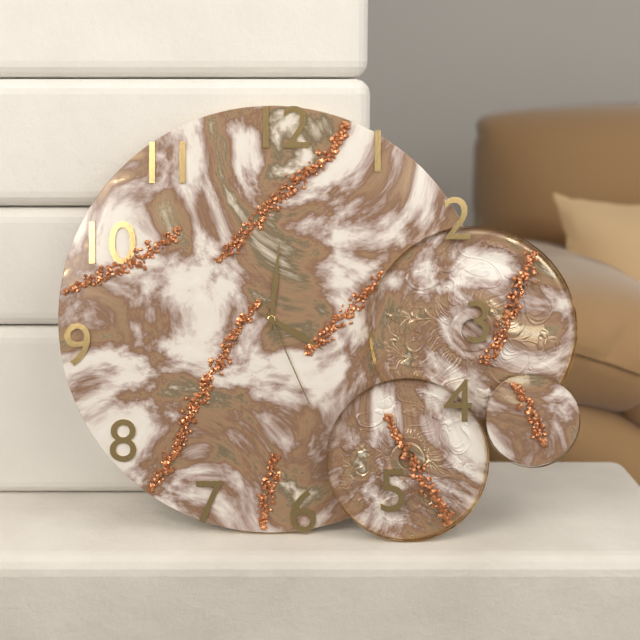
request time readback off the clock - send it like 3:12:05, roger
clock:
4:01:26
